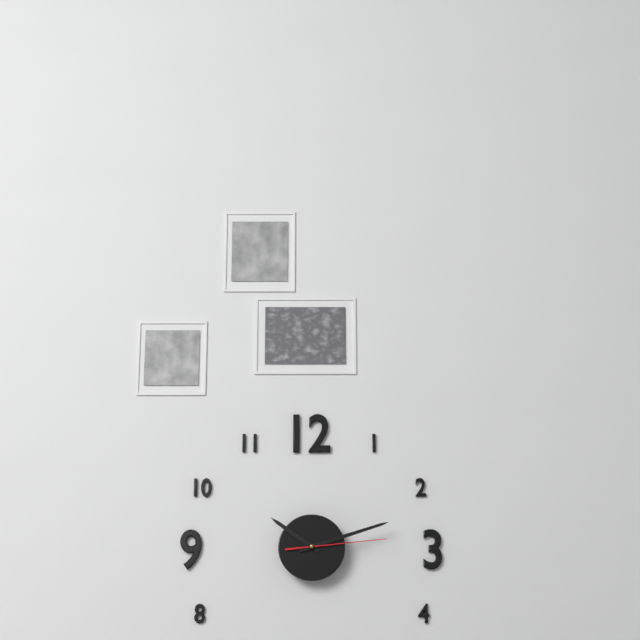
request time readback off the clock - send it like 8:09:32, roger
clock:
10:12:14
